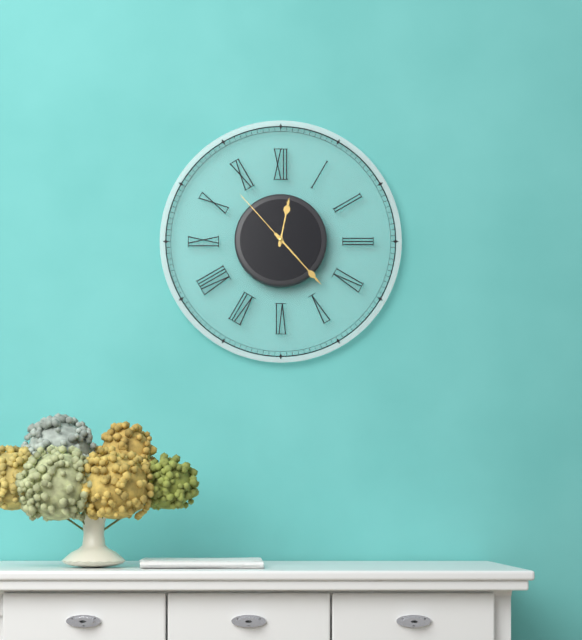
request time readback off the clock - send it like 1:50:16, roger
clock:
12:23:53
